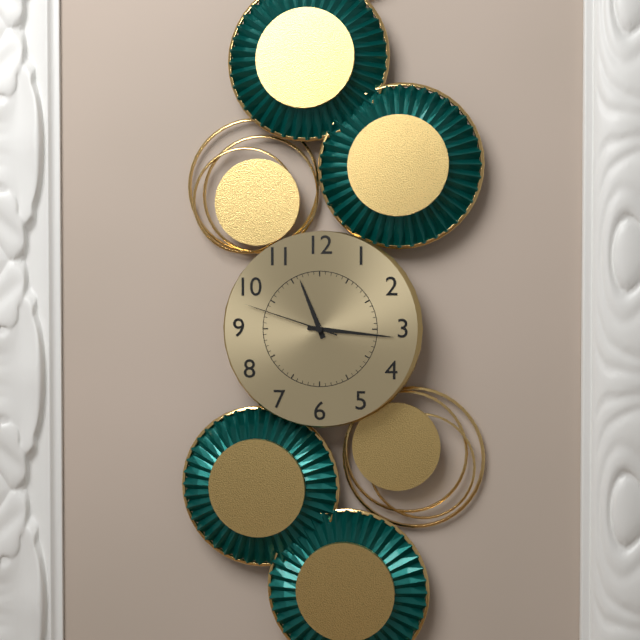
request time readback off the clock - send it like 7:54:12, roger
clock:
11:16:48
